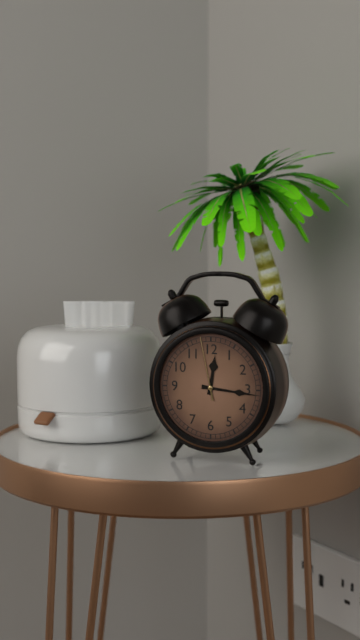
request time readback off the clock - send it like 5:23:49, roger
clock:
12:16:58
